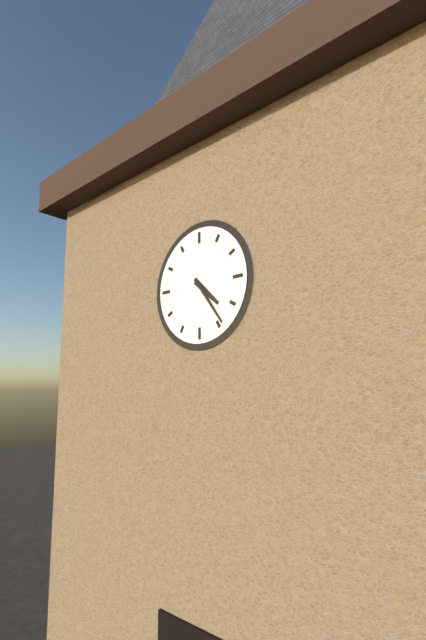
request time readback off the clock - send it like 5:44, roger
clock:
4:24
